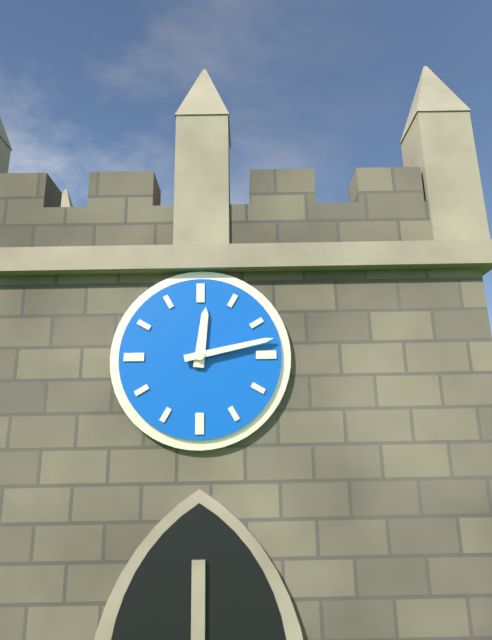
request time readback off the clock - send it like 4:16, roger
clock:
12:13
